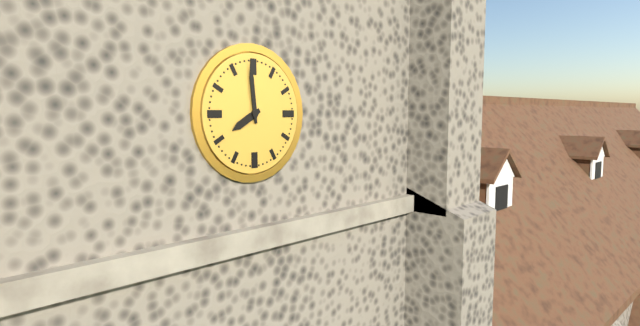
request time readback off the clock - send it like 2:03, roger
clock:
7:59
